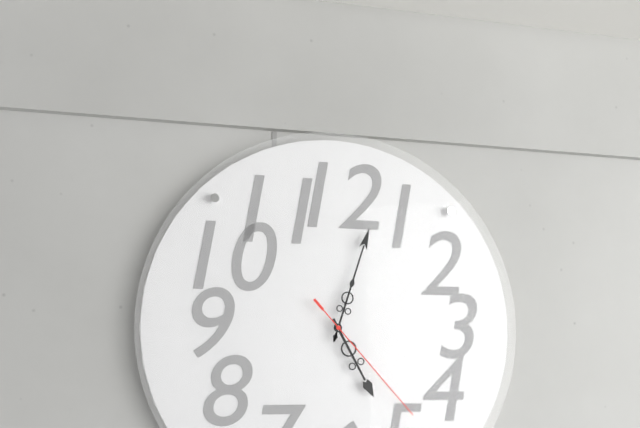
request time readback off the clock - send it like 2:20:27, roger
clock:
5:03:23
